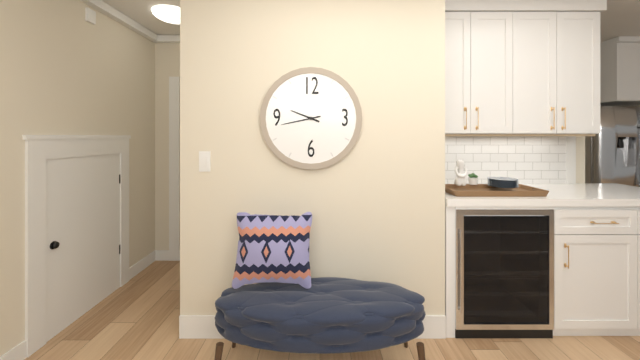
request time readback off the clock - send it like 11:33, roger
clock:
9:43
